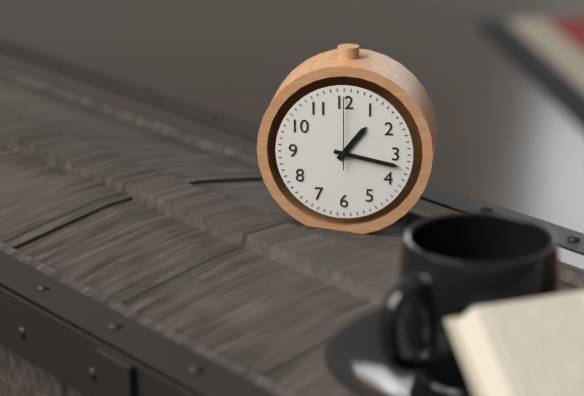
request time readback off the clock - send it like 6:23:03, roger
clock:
1:17:00
